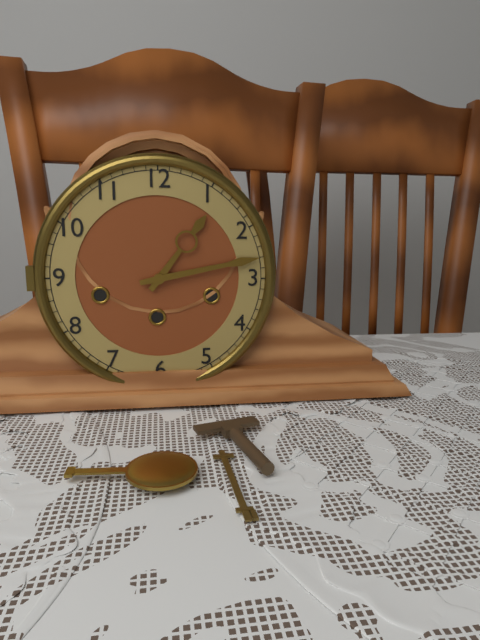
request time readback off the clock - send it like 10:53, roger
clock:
1:13
